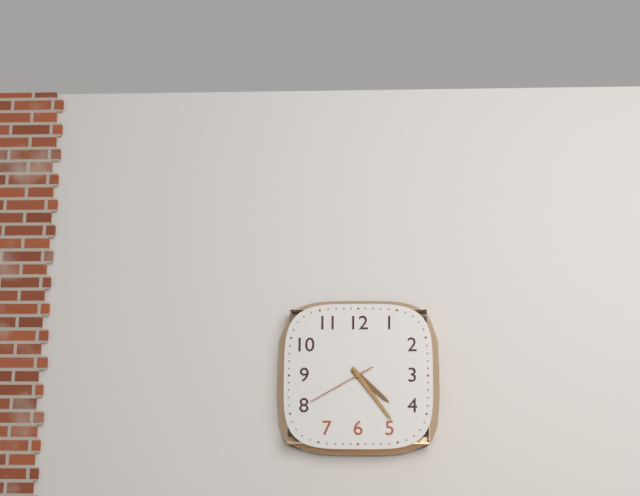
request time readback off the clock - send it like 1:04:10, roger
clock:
4:24:40
